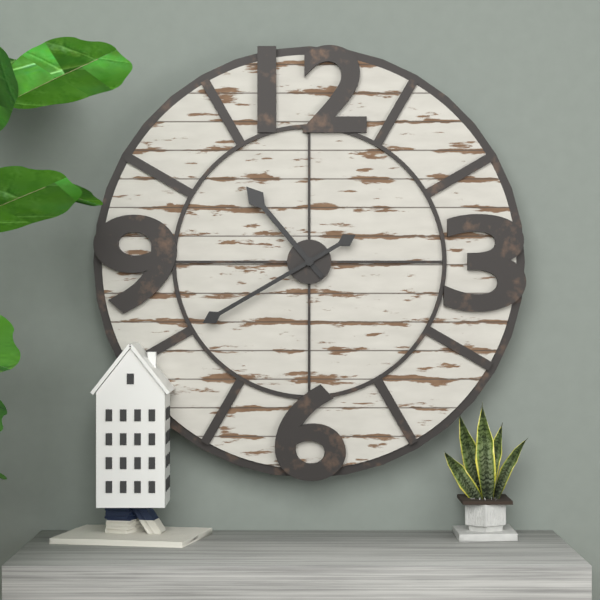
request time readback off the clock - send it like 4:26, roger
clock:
10:40
